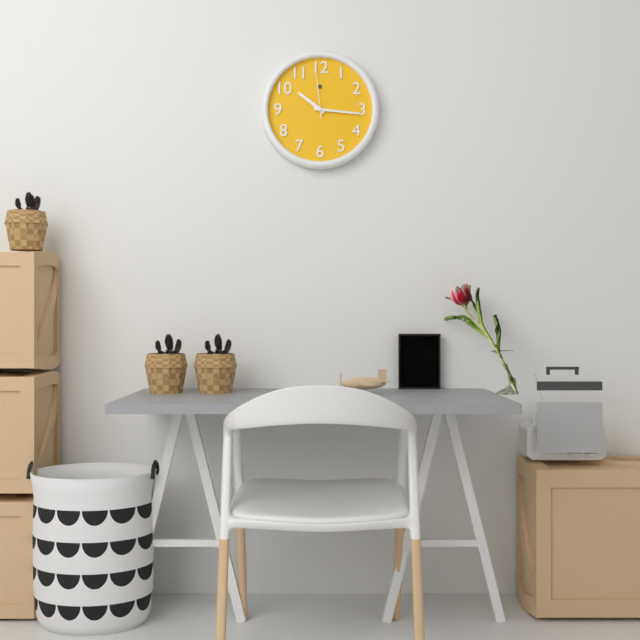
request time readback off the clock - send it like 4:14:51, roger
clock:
10:16:59
